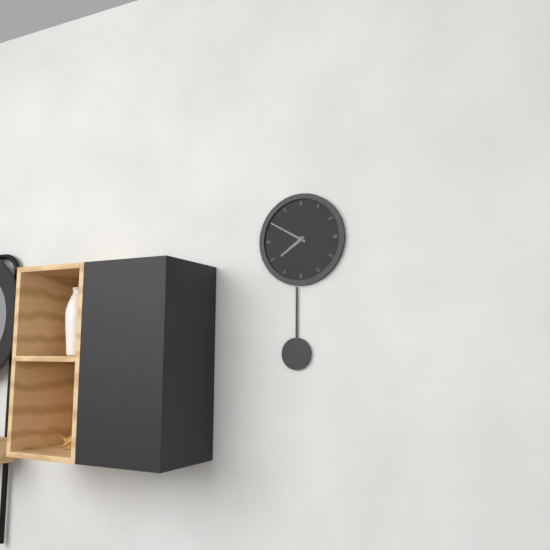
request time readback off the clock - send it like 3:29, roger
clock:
7:50
